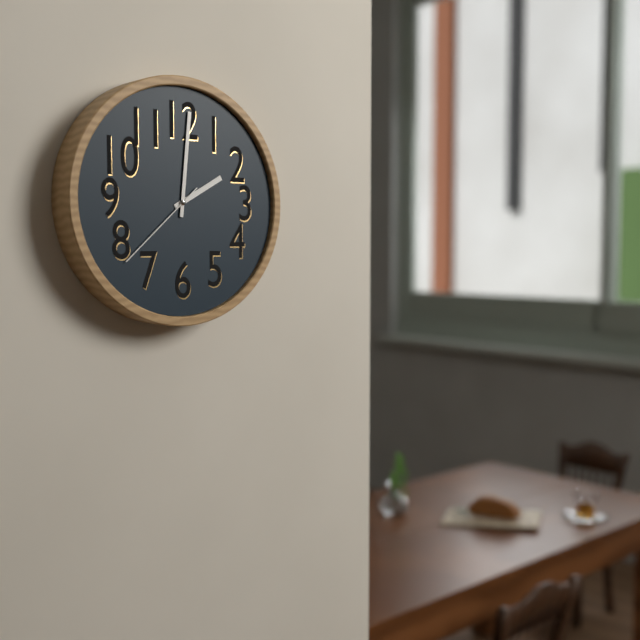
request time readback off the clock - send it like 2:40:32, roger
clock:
2:01:38
